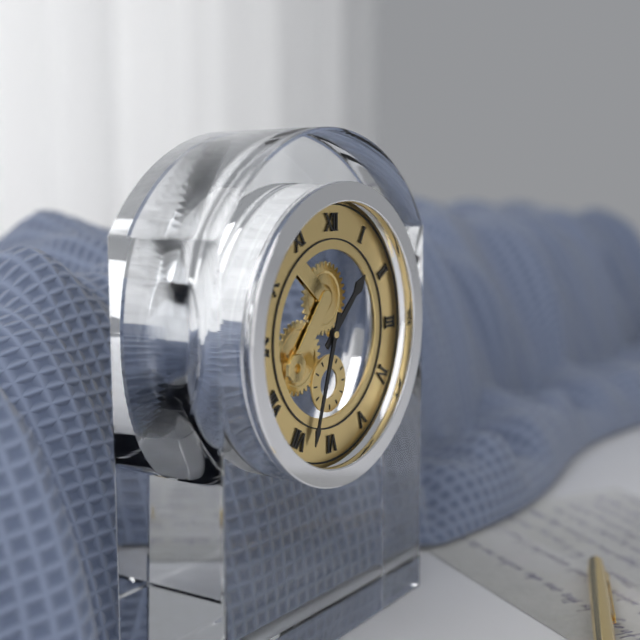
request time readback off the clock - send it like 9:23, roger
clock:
1:33
